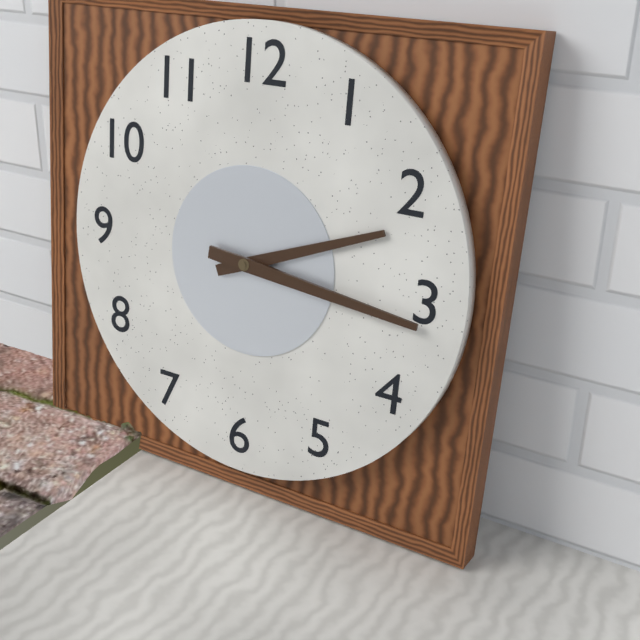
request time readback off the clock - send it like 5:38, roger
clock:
2:16
